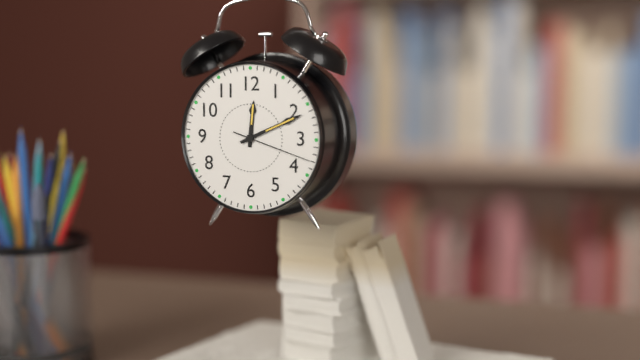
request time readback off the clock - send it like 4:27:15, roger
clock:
12:11:18
